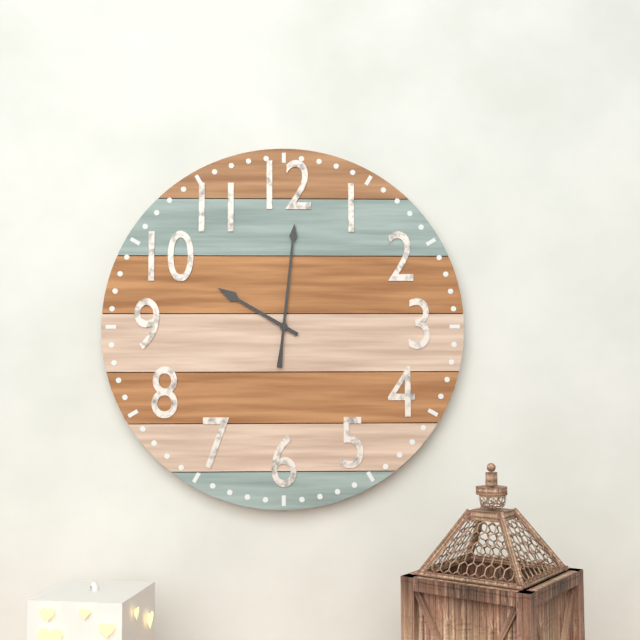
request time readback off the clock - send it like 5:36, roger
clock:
10:01
